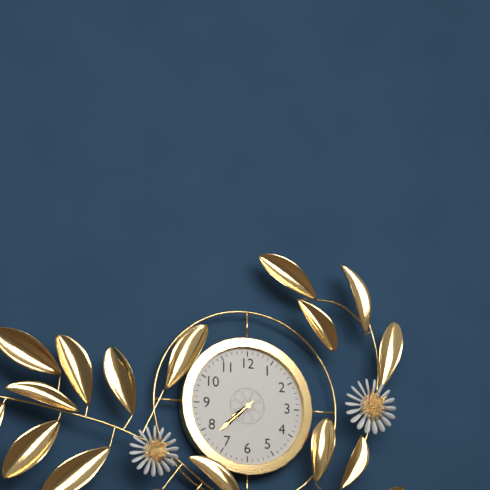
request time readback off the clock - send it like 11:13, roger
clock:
7:38
